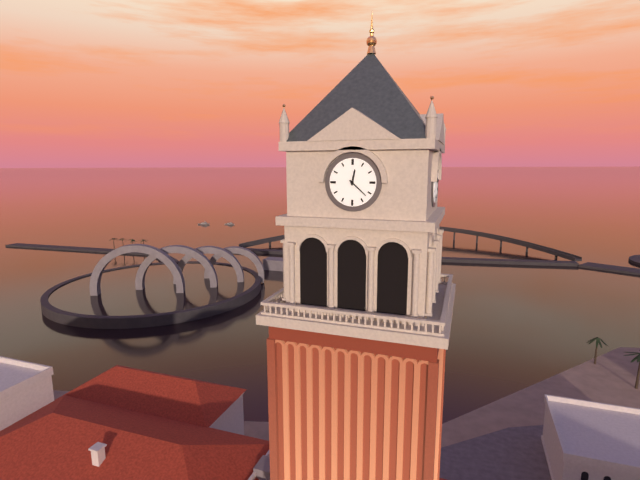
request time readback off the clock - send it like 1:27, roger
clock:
12:22
